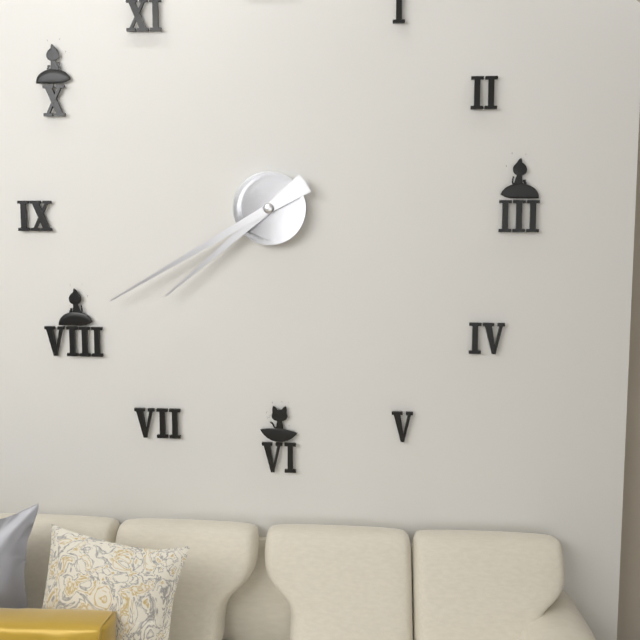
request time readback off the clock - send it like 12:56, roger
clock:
7:40
